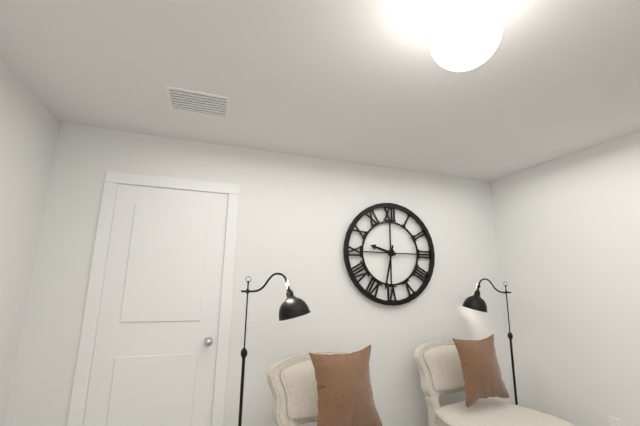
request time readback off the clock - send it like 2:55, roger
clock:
9:32
